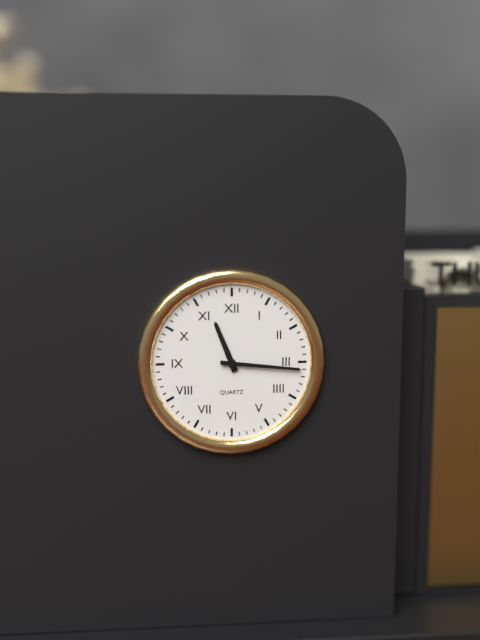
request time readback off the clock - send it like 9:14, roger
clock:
11:16
